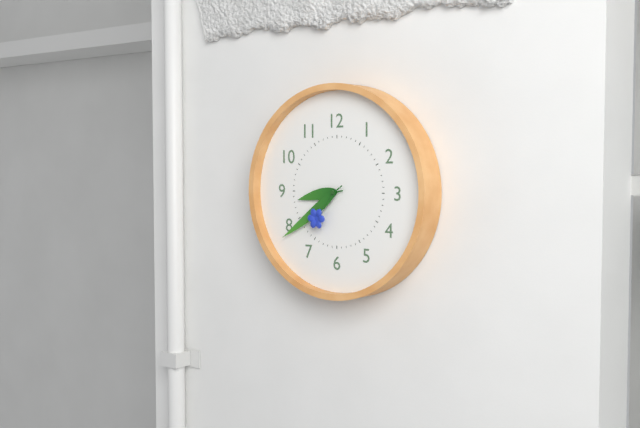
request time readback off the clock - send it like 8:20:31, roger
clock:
8:39:36
